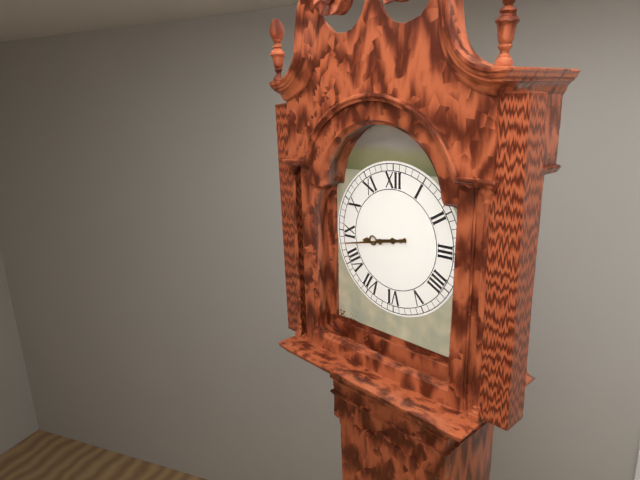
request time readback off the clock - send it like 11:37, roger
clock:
8:43
